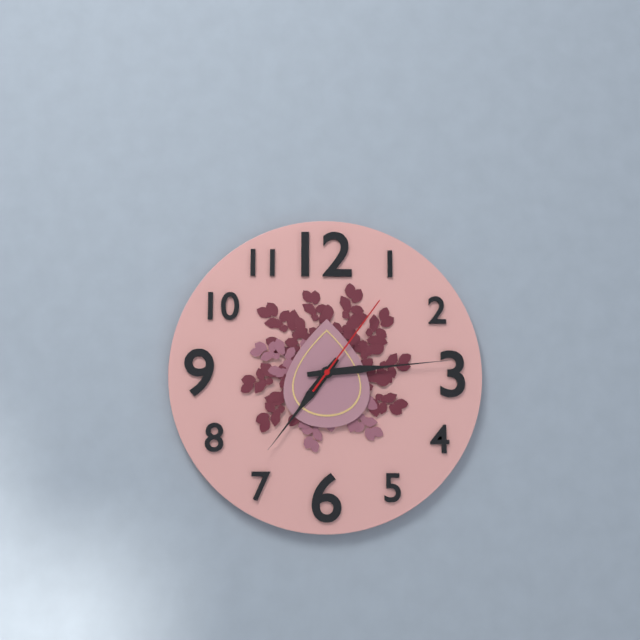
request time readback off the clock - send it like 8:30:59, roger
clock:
7:14:06
